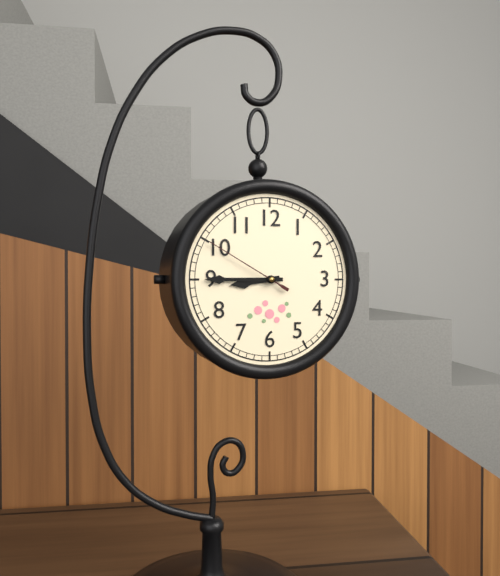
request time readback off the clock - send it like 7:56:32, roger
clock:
8:45:50
